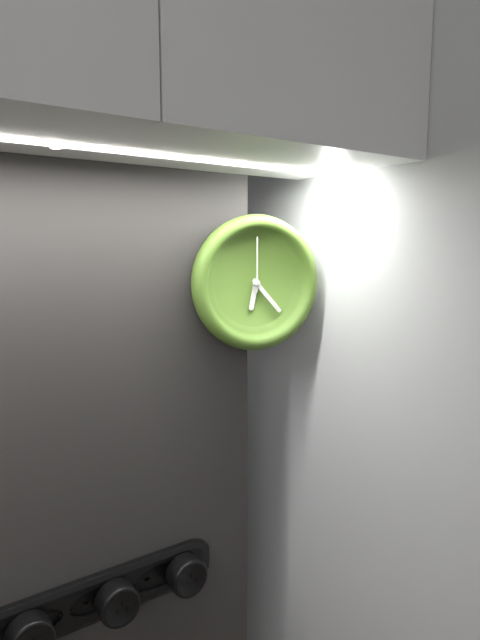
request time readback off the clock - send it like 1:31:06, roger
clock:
6:23:00
